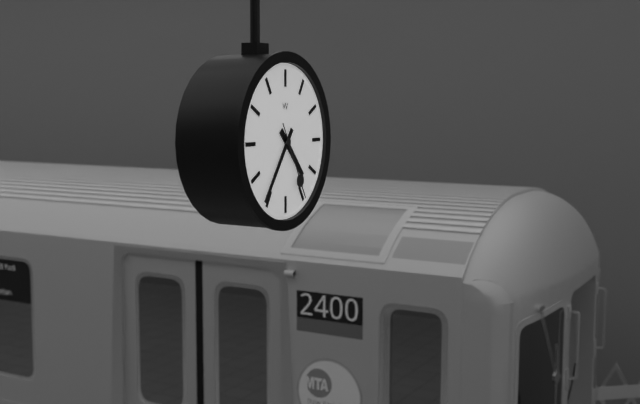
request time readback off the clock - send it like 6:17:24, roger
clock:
4:36:25
